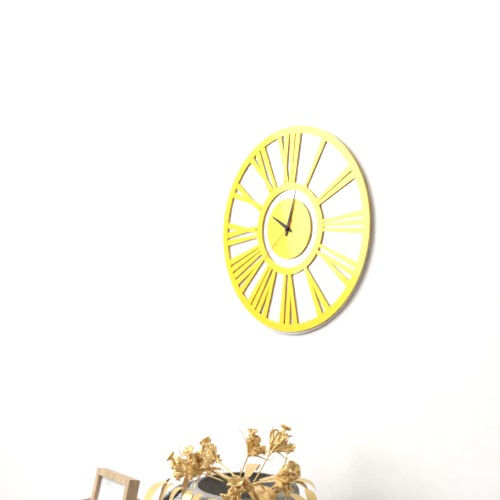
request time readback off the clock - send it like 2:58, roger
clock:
10:03
